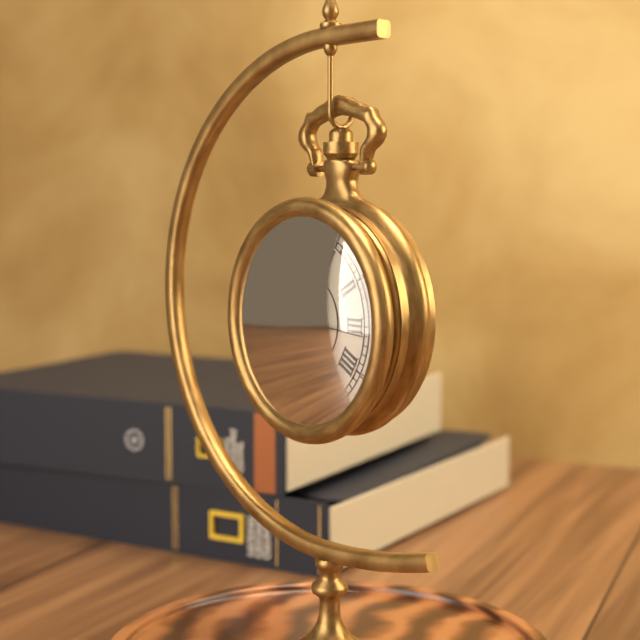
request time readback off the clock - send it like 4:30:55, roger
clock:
11:55:16
